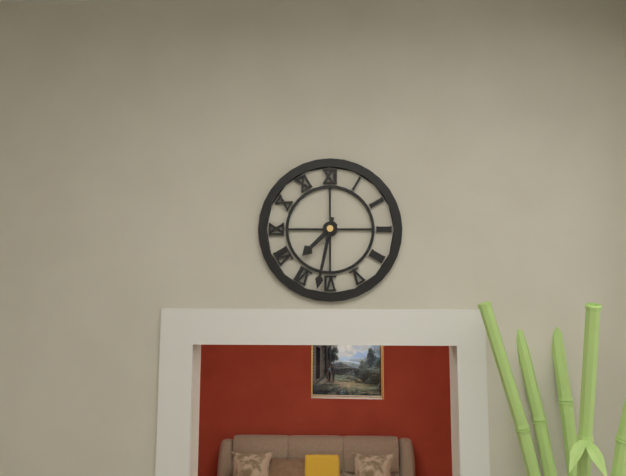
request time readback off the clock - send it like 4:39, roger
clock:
7:32
